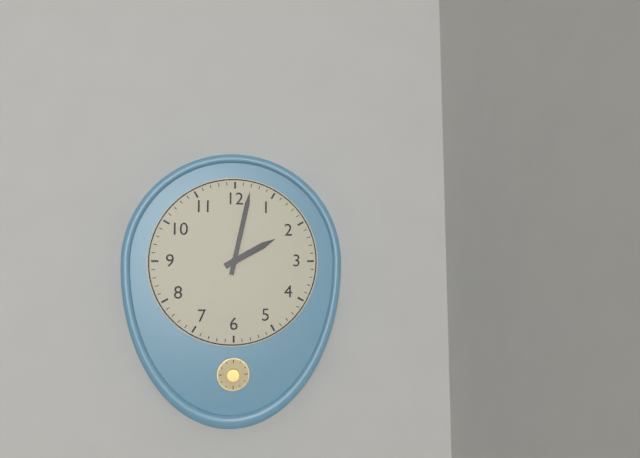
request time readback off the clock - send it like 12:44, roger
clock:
2:02
